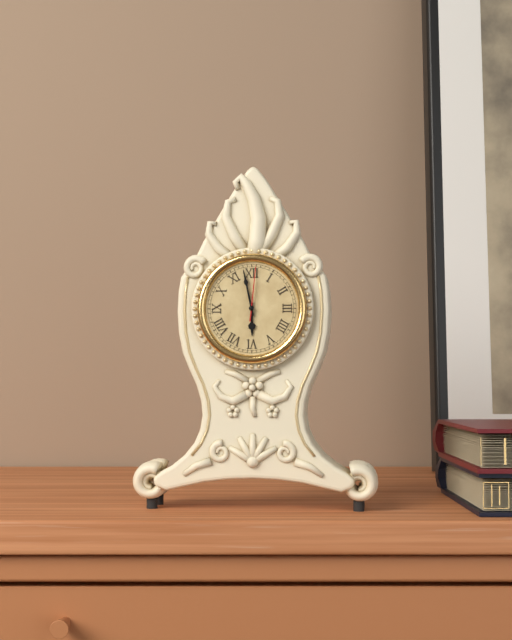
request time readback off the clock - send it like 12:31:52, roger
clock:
5:58:01
